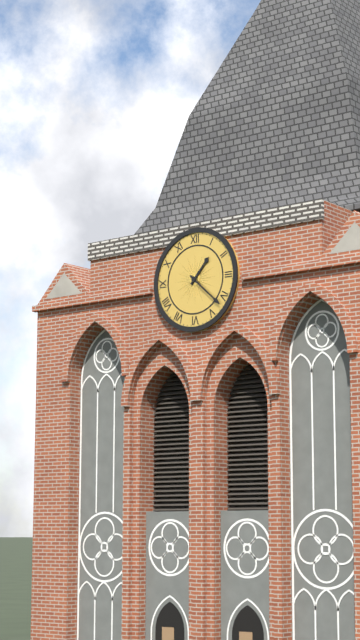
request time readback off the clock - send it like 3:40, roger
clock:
1:22
